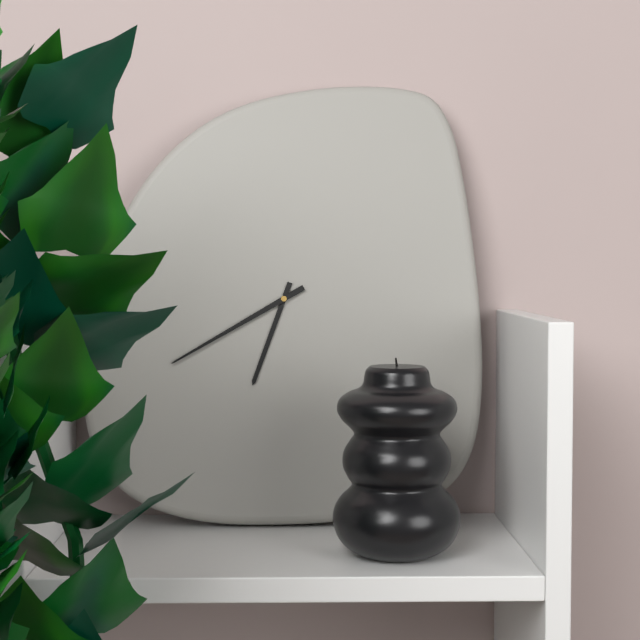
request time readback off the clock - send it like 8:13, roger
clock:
6:40
